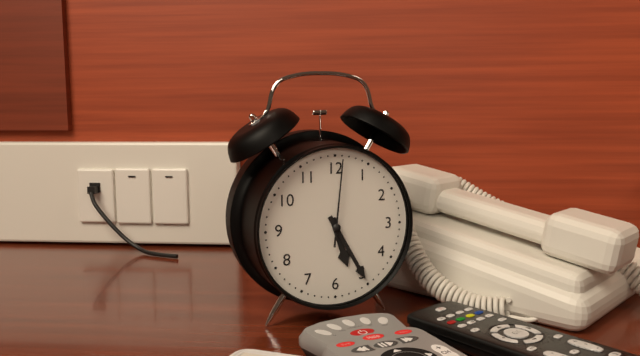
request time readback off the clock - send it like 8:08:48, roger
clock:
5:25:01
